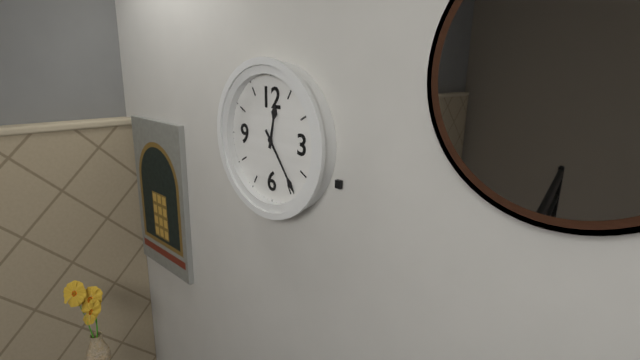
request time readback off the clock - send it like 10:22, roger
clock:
12:24
